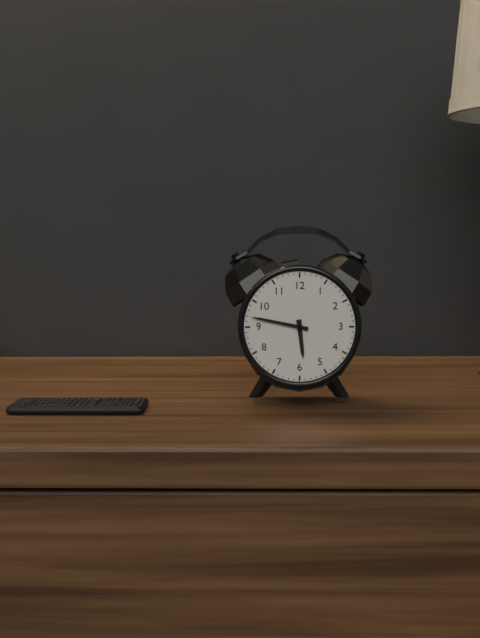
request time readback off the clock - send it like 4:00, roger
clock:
5:47
